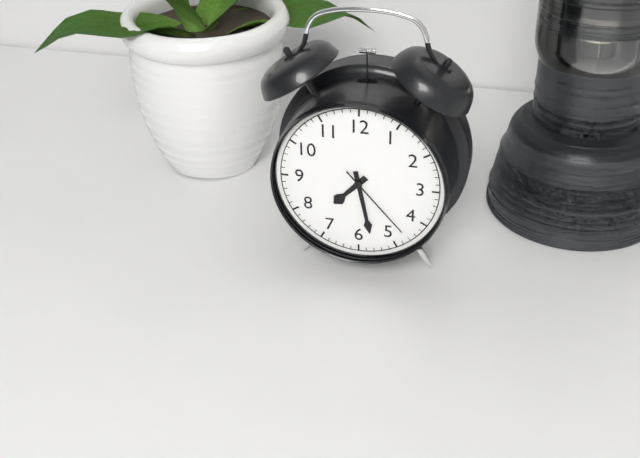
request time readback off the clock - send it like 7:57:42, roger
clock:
7:28:23
